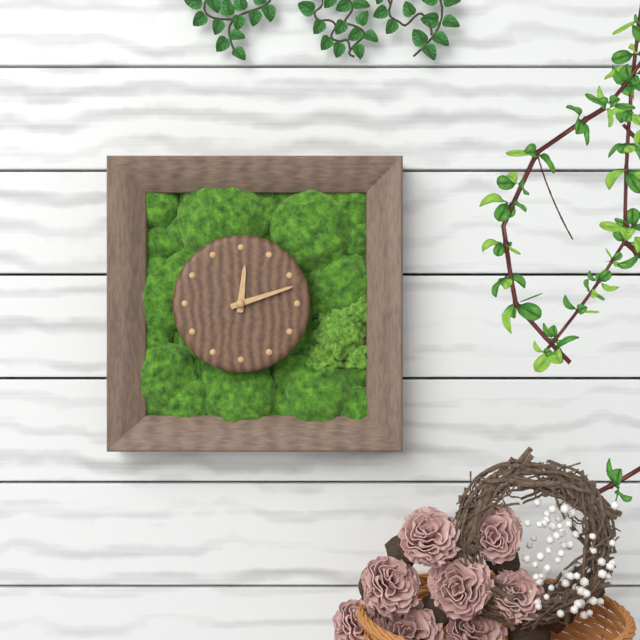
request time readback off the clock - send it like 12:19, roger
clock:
12:12
